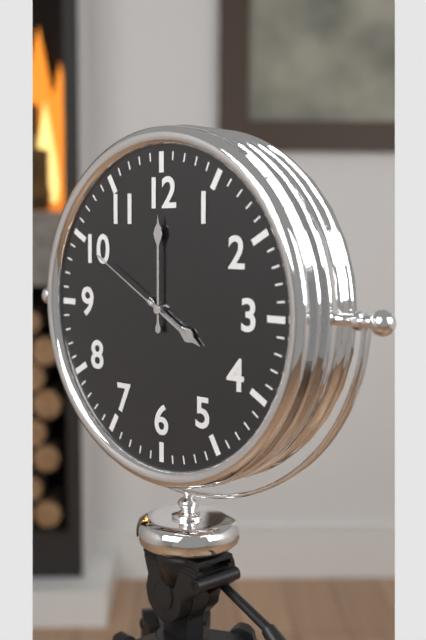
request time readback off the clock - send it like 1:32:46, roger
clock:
4:00:50
